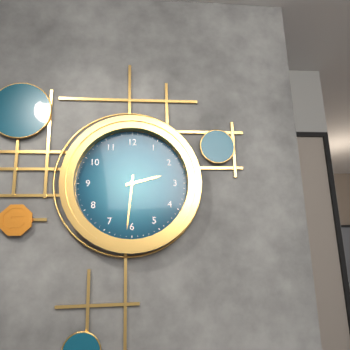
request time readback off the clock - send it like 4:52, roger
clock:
2:31
